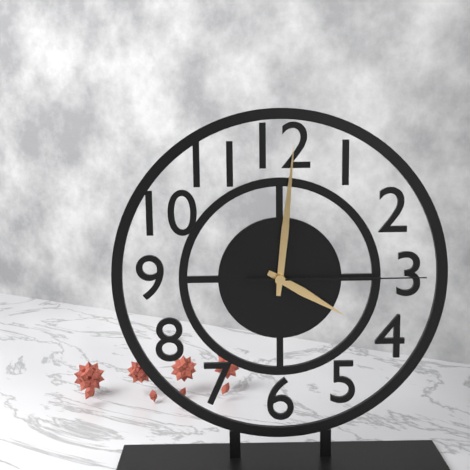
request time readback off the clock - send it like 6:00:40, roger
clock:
4:01:15
